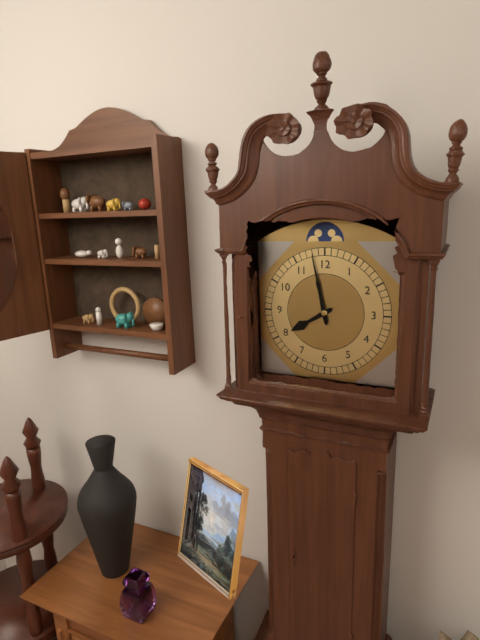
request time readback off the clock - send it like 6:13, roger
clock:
7:58
